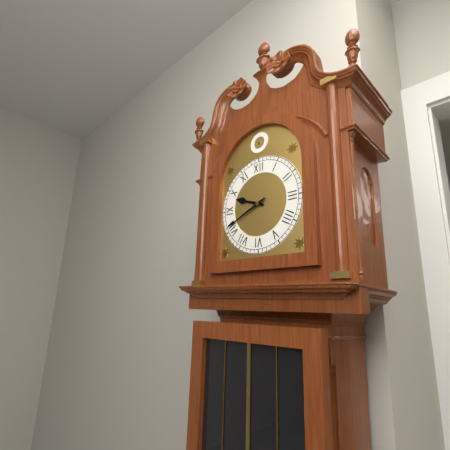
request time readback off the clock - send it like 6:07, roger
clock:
9:41
